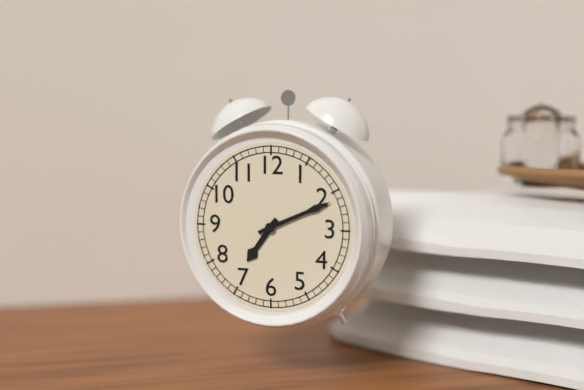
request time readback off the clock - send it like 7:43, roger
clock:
7:11
